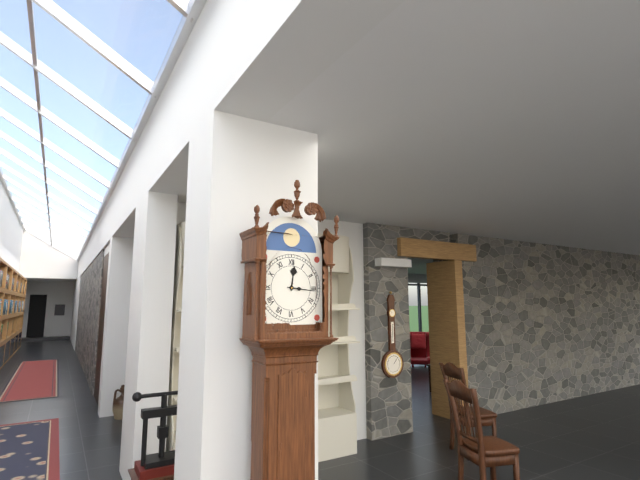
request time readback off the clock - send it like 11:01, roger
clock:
12:16
